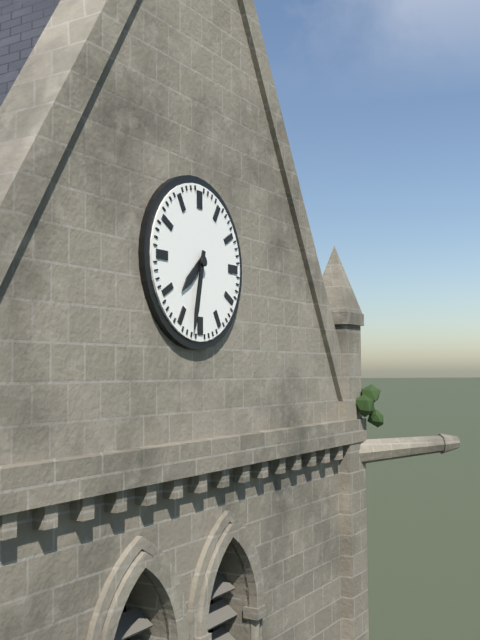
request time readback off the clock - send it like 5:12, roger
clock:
7:32
